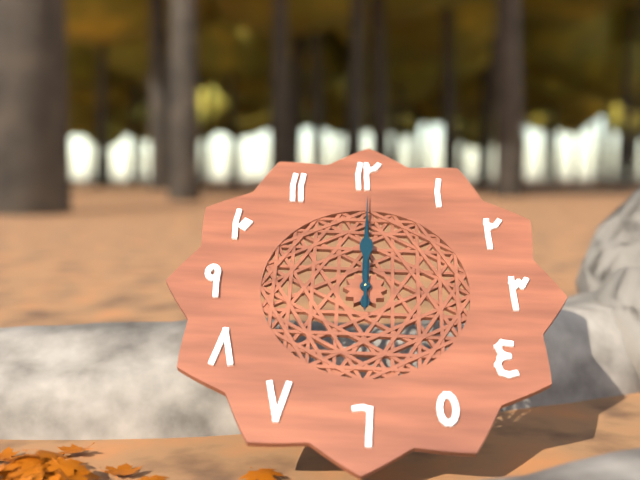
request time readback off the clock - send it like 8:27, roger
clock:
12:00
